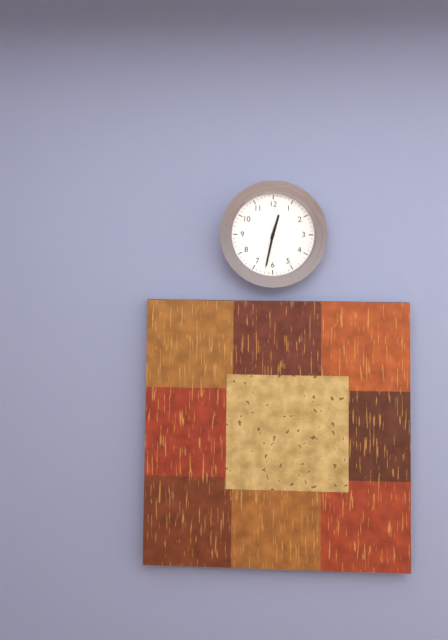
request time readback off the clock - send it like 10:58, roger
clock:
12:32
